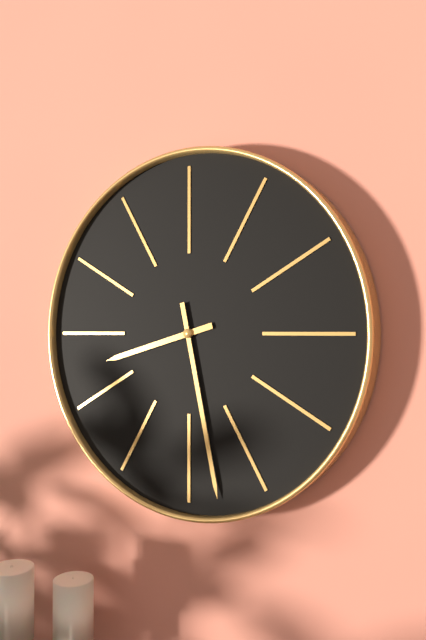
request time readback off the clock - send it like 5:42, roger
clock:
8:28
